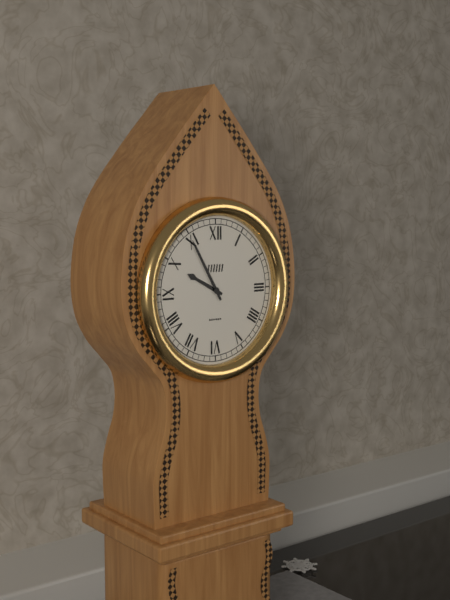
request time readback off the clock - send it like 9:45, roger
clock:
9:55
